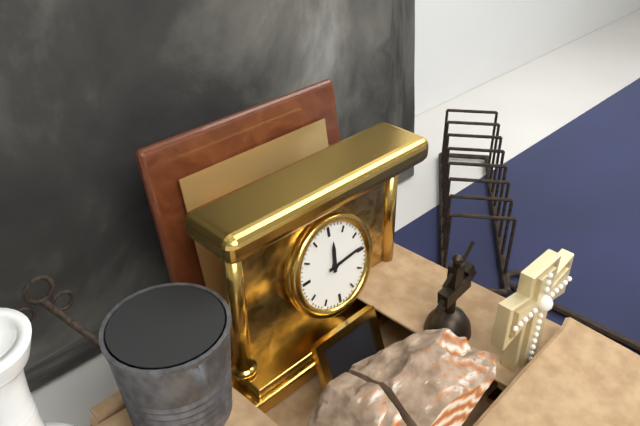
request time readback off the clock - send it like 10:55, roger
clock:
12:14
